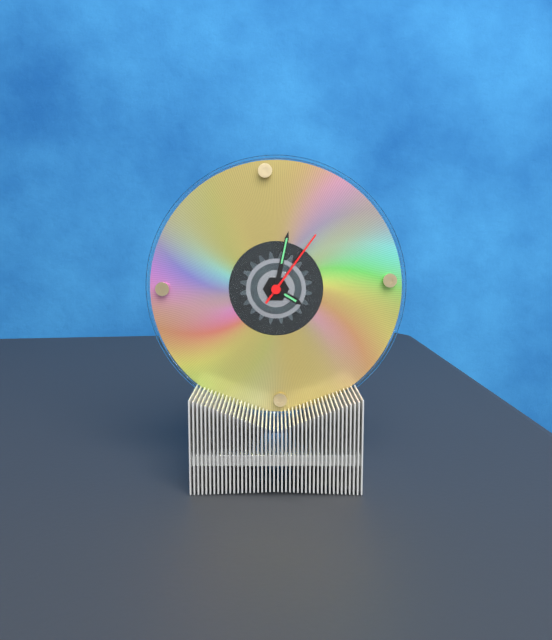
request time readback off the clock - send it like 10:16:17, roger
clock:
4:02:06
